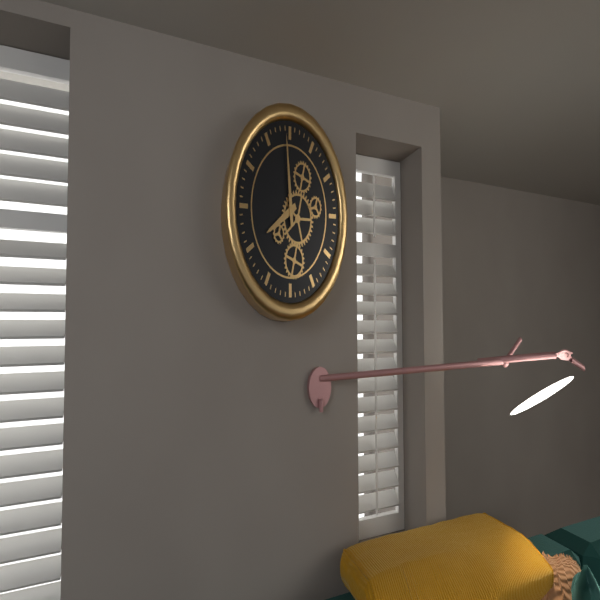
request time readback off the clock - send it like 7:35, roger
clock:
7:59
